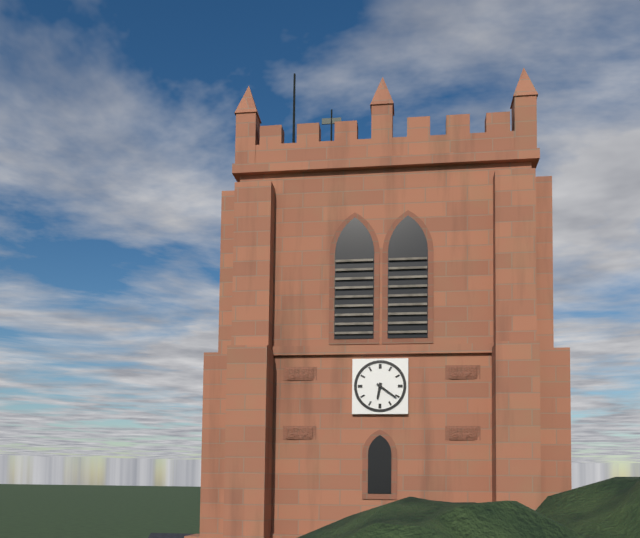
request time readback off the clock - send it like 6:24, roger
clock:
6:21
